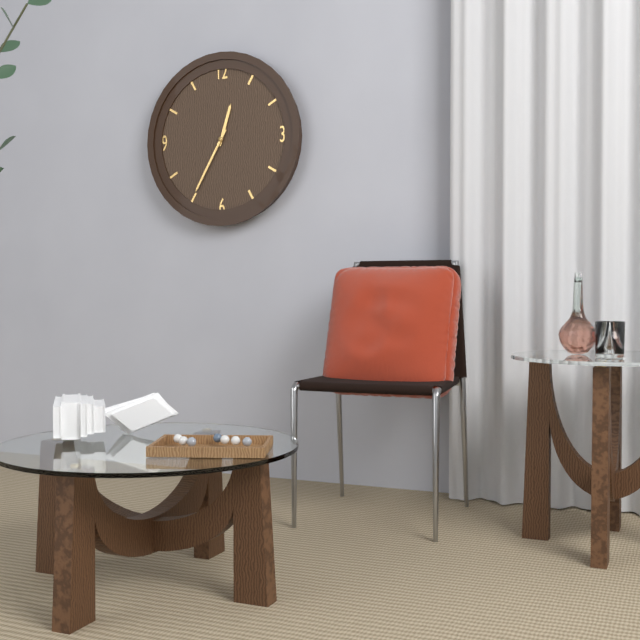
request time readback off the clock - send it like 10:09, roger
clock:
12:35
